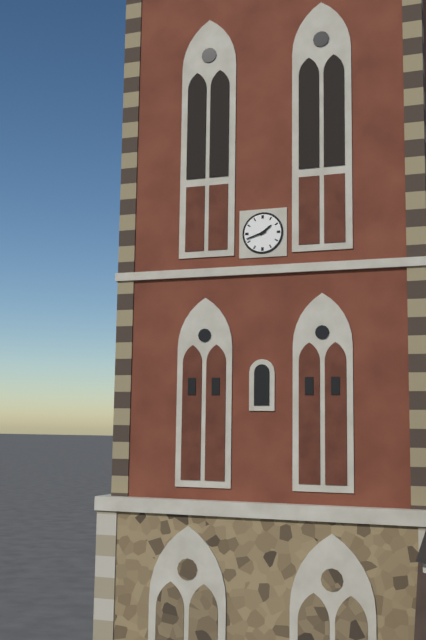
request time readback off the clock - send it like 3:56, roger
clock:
1:42
